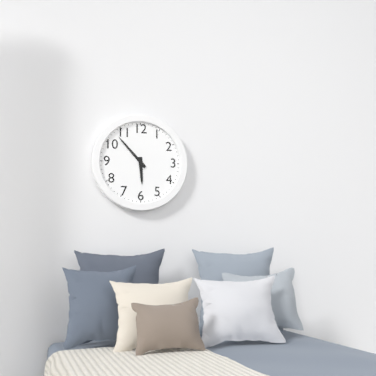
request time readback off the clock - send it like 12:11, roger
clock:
5:53
